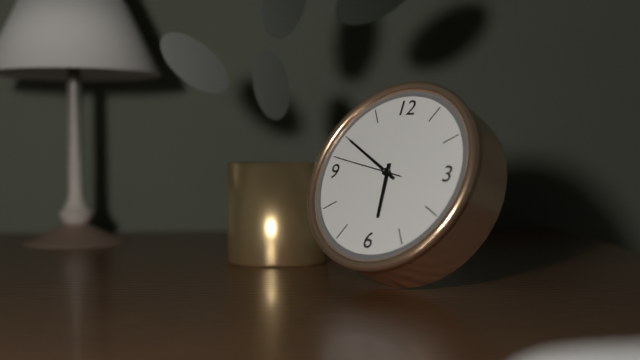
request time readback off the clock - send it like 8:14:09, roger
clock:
5:50:47
